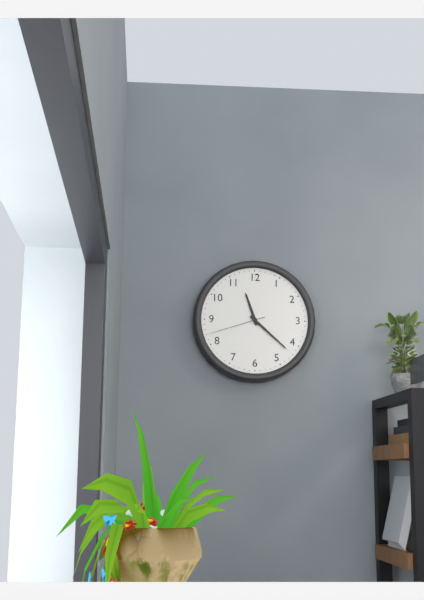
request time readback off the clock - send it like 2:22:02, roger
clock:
11:22:42
